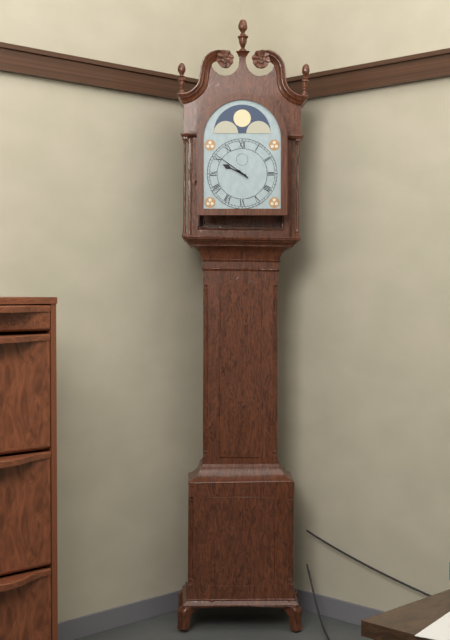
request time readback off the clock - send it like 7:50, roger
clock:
9:51
